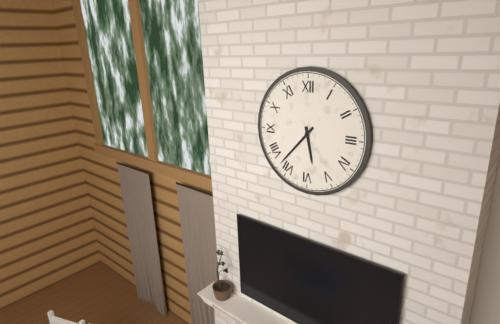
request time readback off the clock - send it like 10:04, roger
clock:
5:37
